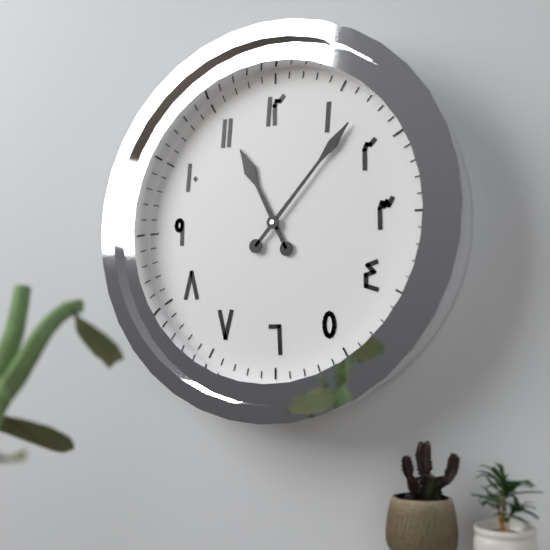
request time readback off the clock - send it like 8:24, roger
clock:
11:07
